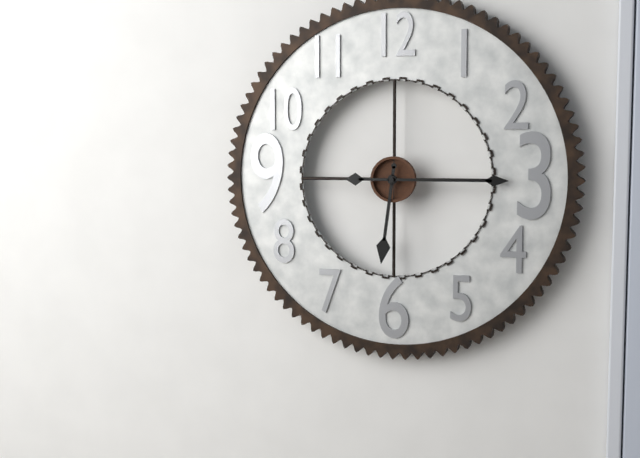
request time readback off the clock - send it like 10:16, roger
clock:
6:15
